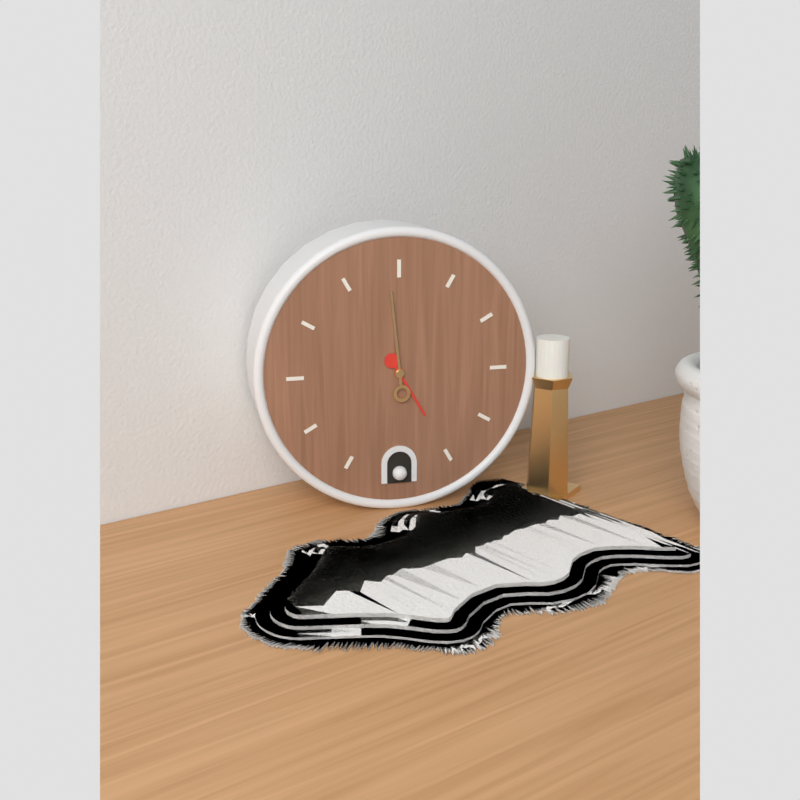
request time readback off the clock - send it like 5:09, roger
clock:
4:59
